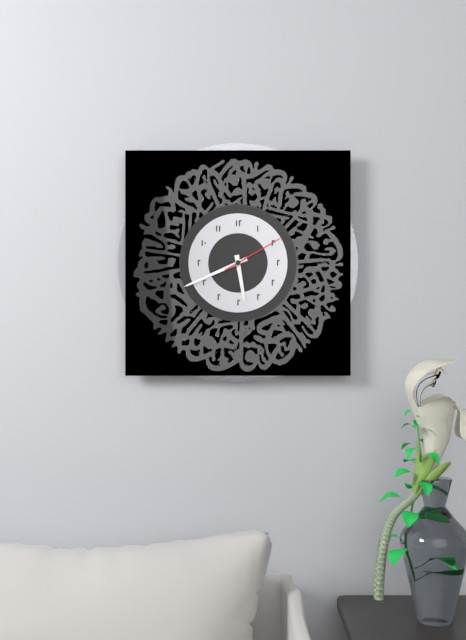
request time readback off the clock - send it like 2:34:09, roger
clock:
5:41:10
